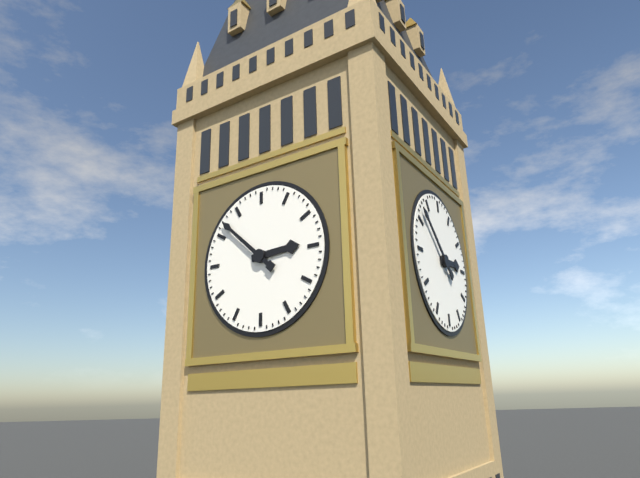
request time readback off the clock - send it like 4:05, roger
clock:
2:52
